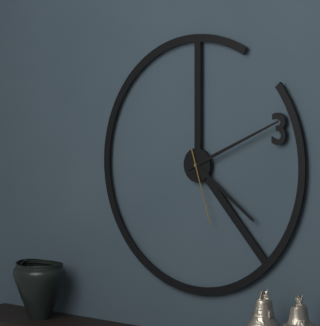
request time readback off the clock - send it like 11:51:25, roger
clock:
4:11:27
